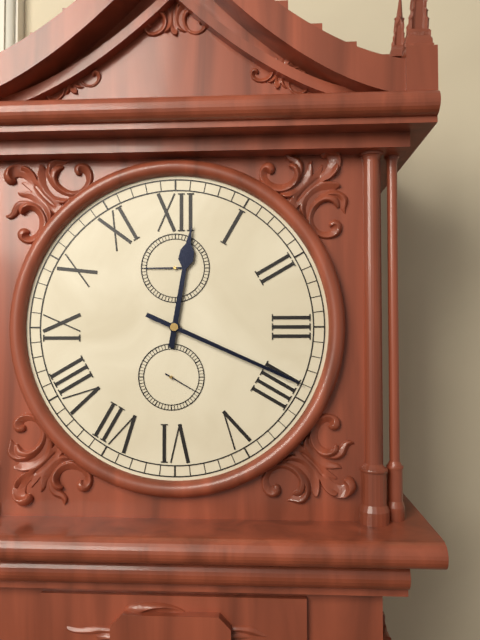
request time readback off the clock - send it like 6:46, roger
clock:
12:19
